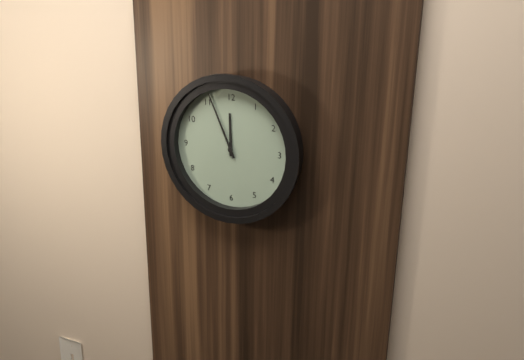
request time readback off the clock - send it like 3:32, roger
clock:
11:56
